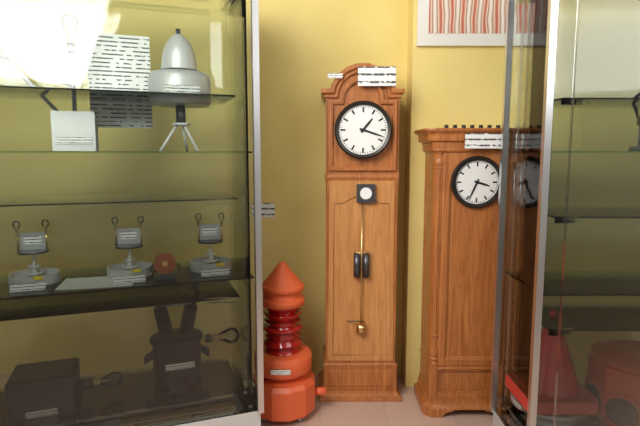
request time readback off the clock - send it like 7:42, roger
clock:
1:18
